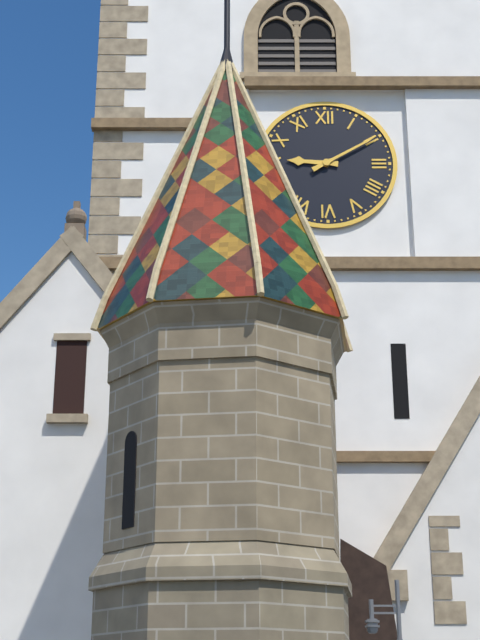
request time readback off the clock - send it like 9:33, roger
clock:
9:10
